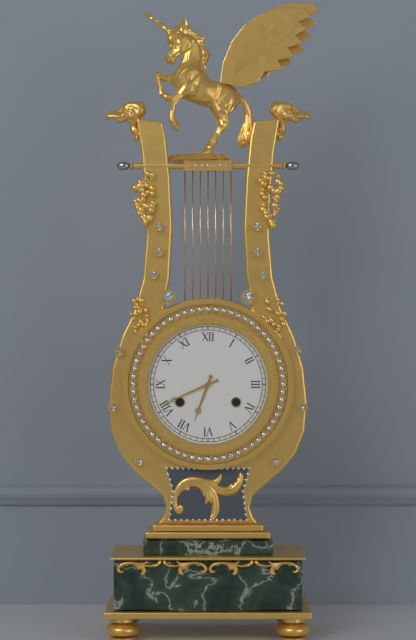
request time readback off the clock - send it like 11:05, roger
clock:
6:41
